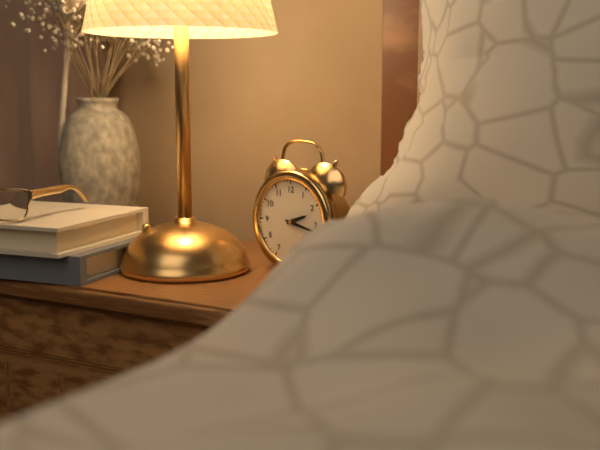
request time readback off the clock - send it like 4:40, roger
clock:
2:17
